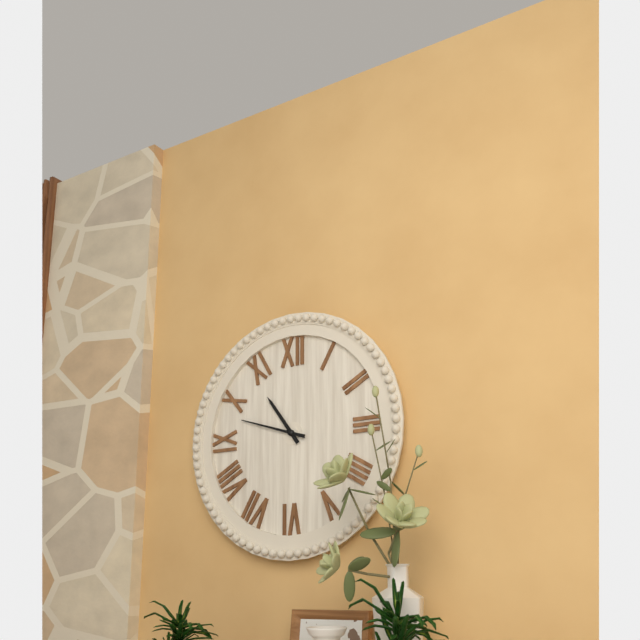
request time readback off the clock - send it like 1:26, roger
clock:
10:48
